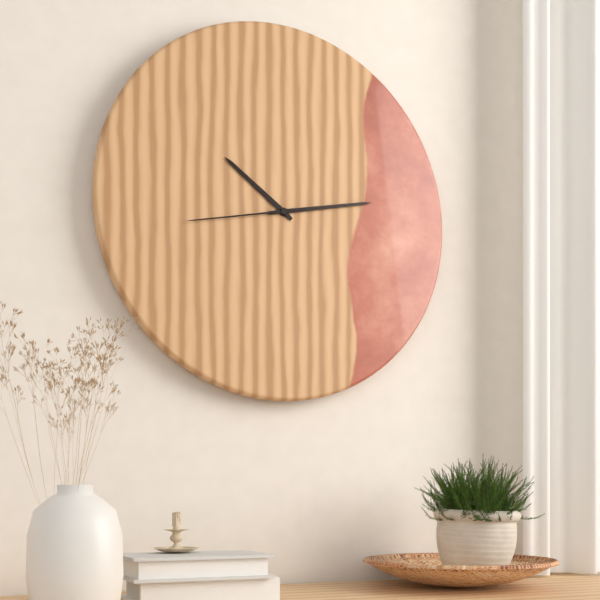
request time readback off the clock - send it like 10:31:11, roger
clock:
10:13:43
